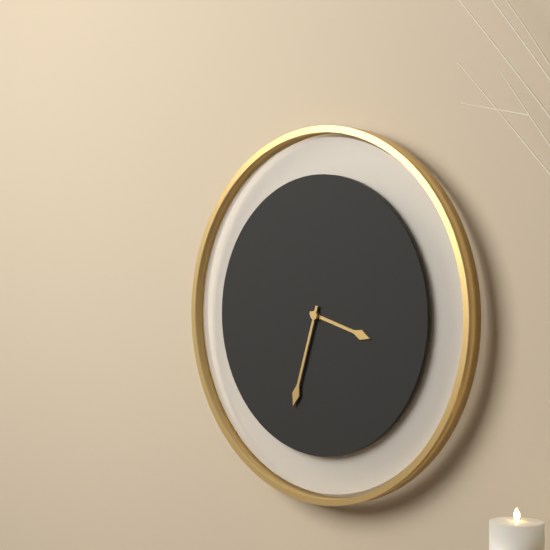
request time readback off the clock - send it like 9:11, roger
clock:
3:33
